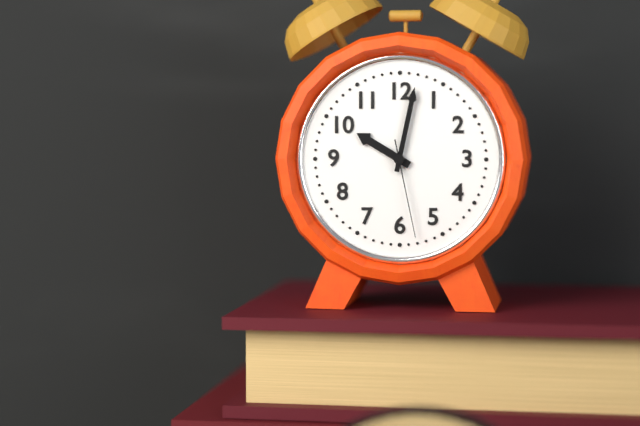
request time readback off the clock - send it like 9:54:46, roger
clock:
10:02:28
